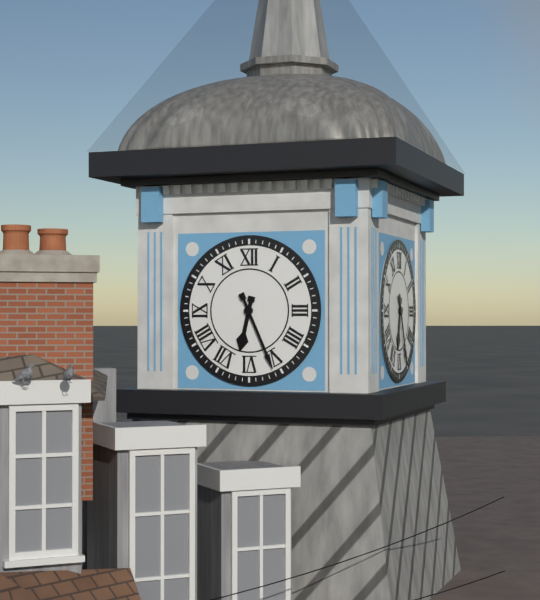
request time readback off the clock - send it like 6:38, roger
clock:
6:26
